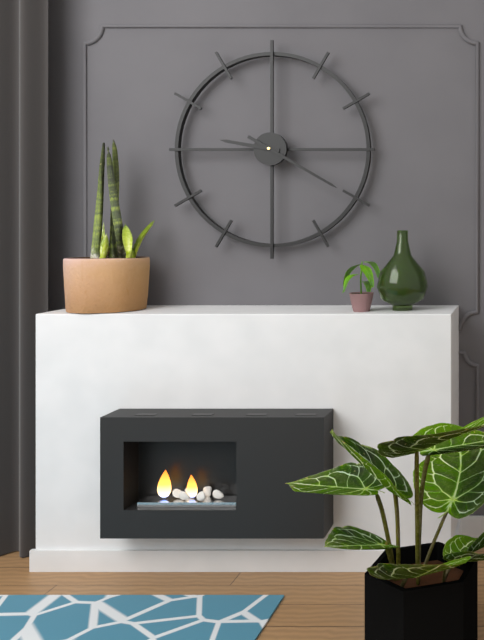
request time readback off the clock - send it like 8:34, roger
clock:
9:20
